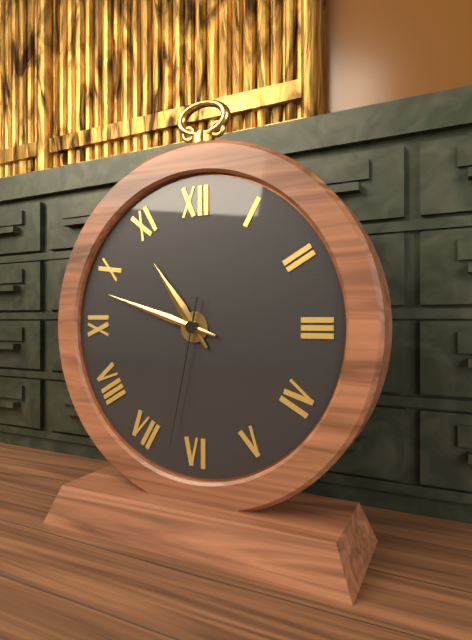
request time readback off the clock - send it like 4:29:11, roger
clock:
10:48:32
